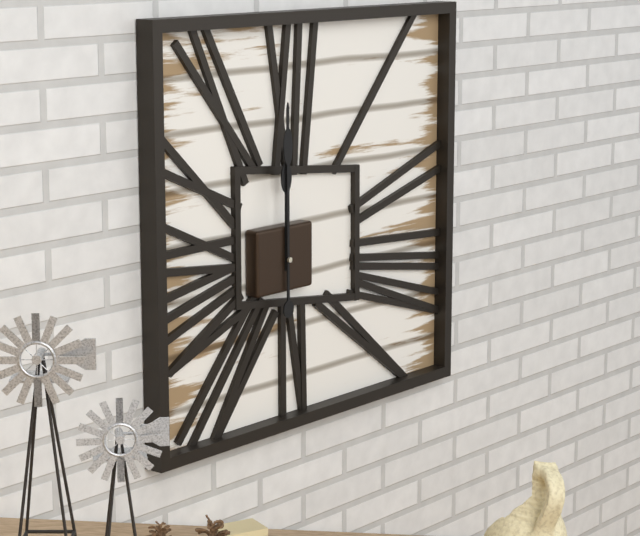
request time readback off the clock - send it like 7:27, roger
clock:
12:00
